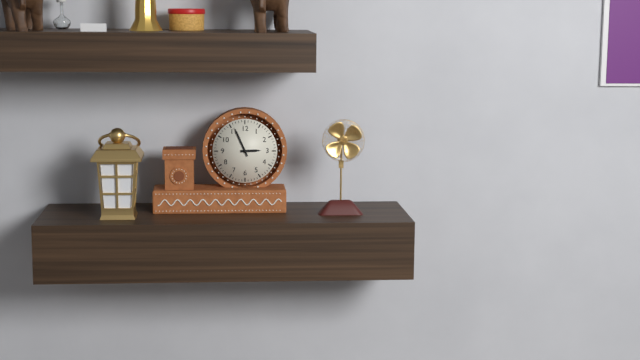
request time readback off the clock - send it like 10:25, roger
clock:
2:56
